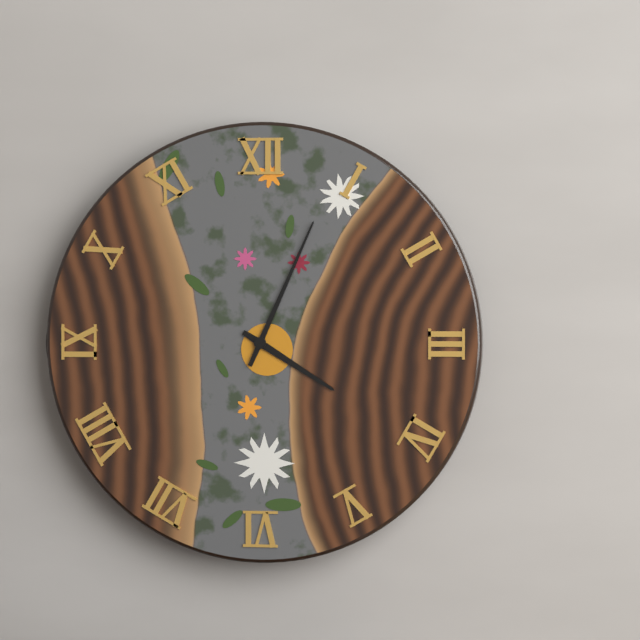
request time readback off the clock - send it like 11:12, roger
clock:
4:04
